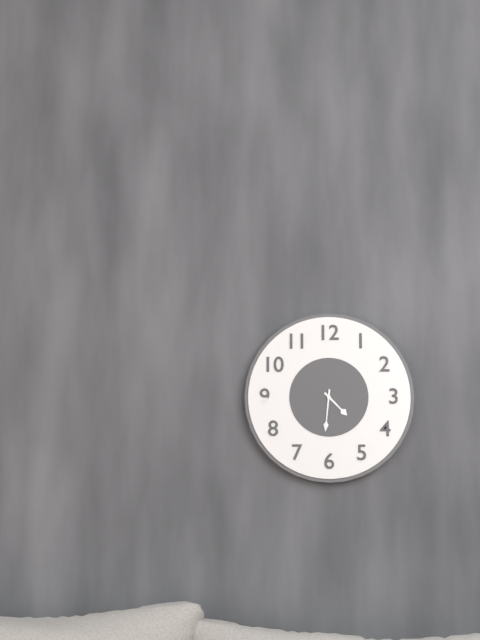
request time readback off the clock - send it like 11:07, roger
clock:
4:31
